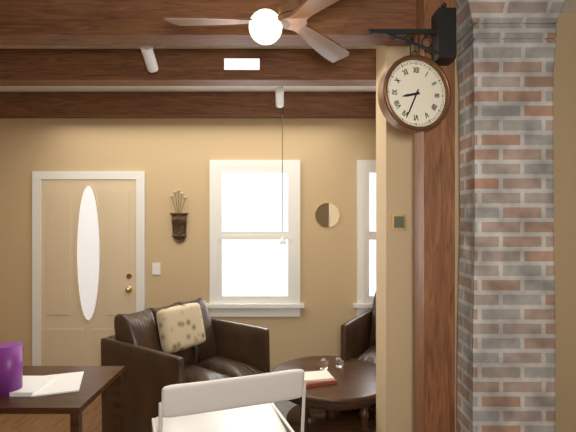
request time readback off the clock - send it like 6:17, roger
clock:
8:34
